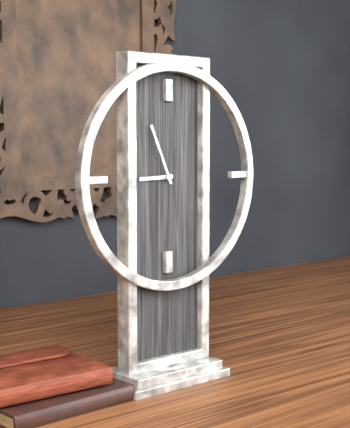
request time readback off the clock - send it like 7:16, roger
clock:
8:56
